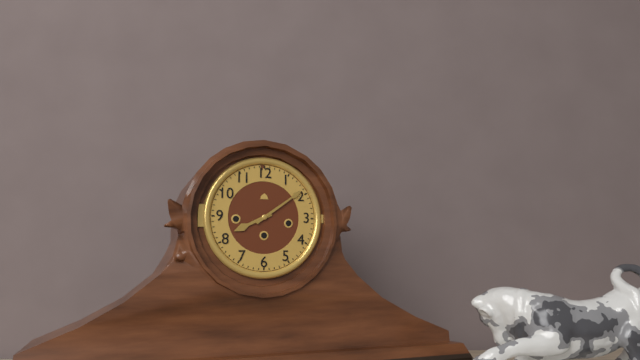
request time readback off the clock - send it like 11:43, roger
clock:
8:09
